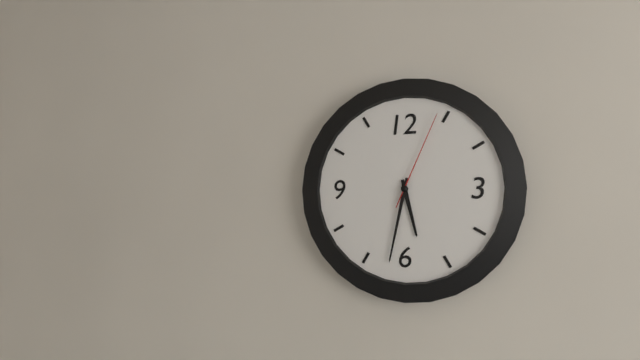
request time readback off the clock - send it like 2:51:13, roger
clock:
5:32:04
